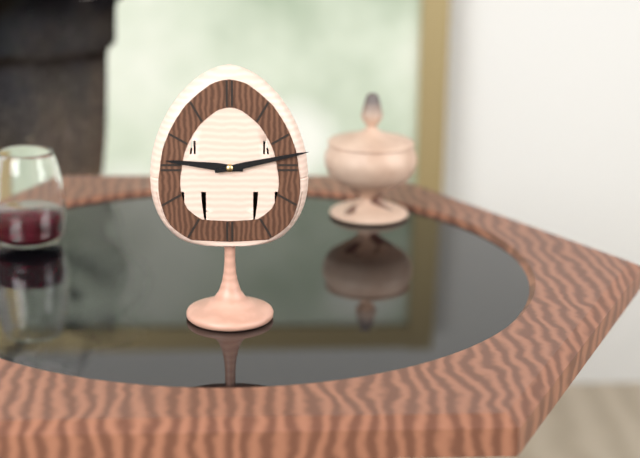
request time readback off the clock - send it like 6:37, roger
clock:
9:13
